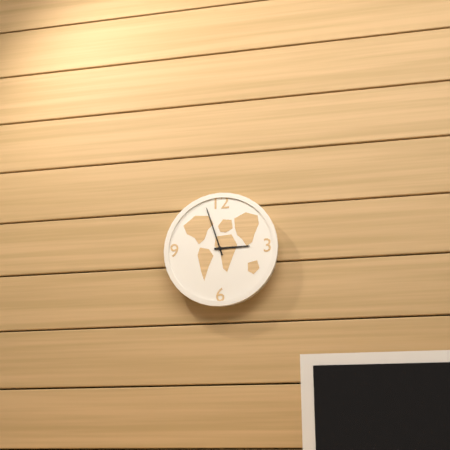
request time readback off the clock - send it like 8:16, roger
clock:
2:57
